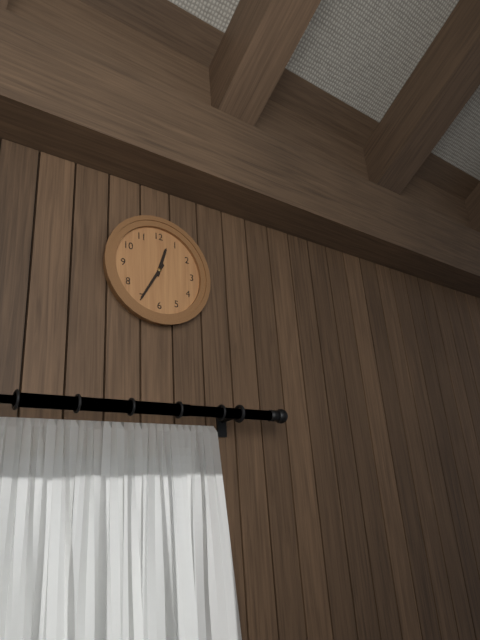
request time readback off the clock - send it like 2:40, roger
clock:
12:35
